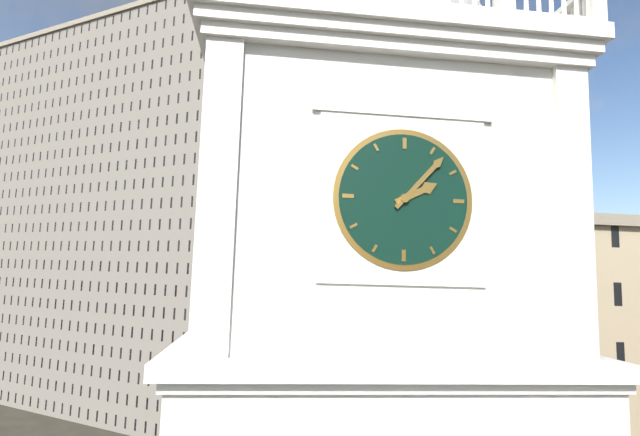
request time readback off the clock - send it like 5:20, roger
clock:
2:07
